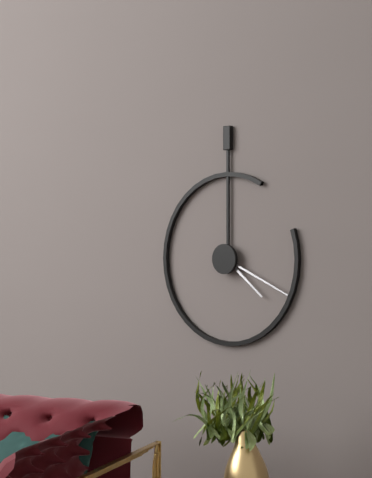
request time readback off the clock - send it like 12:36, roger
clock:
4:19
